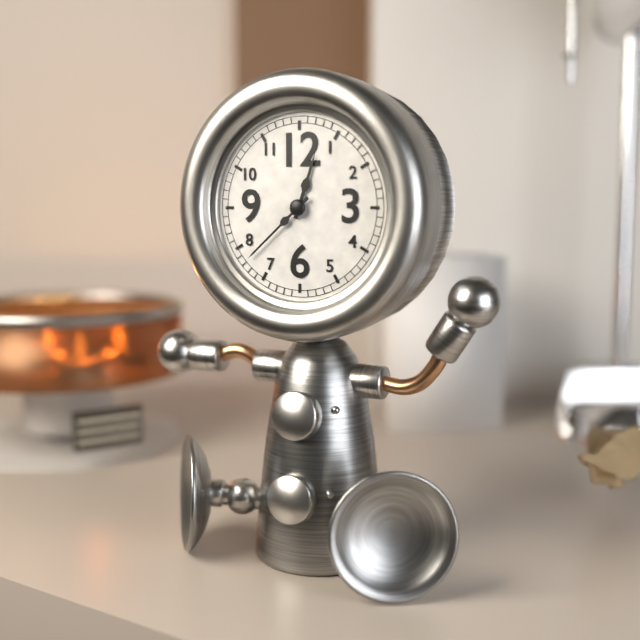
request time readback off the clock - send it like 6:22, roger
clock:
12:38
